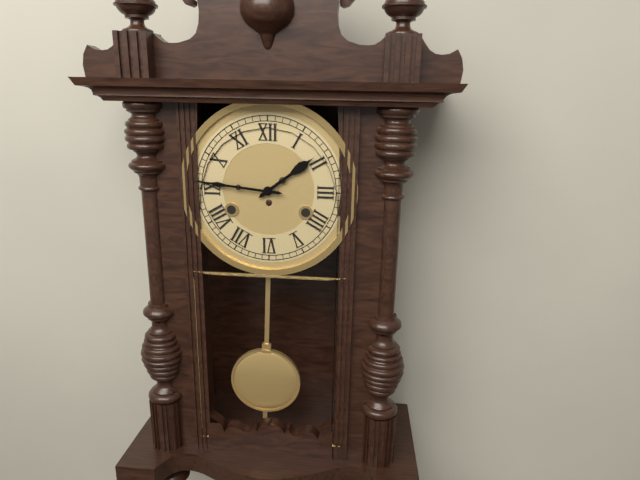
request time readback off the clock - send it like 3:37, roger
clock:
1:46
